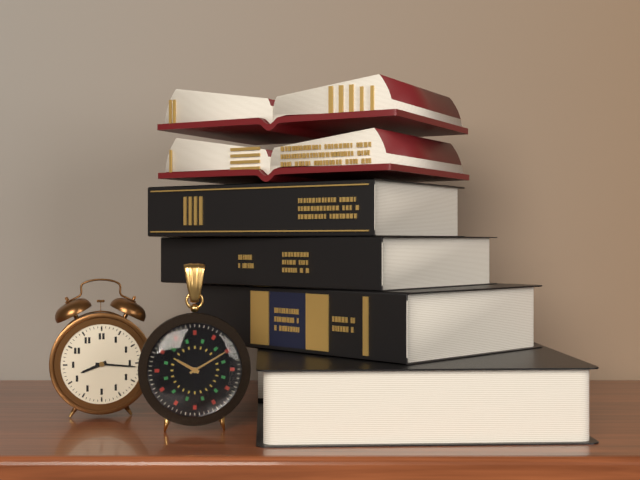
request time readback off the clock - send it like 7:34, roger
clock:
8:16
